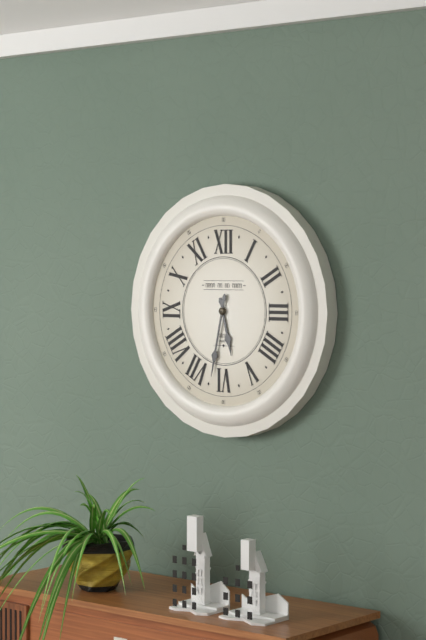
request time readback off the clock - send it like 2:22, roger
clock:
5:32
